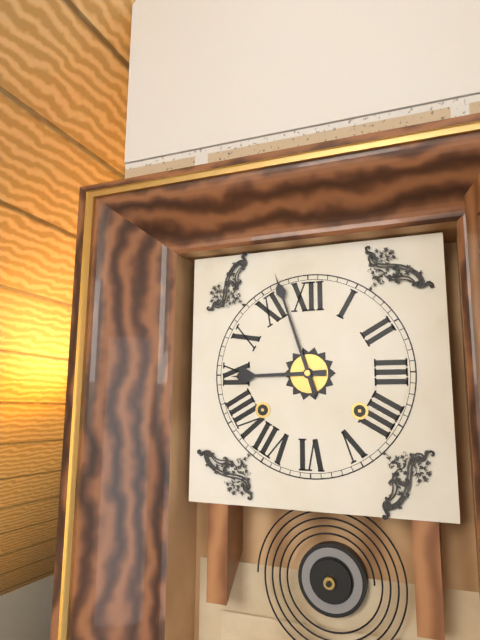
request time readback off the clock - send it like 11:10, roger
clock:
8:57
